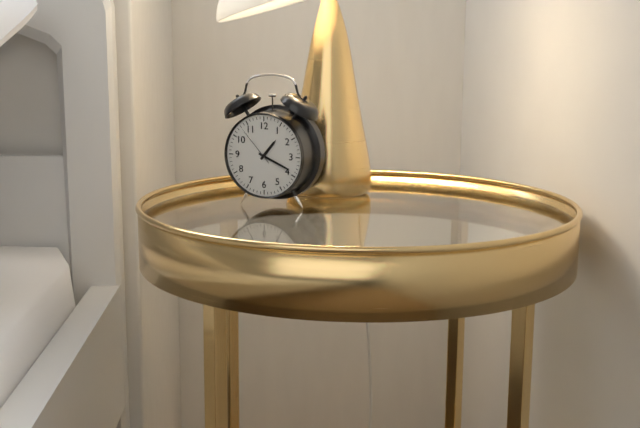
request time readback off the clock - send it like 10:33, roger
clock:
1:19
